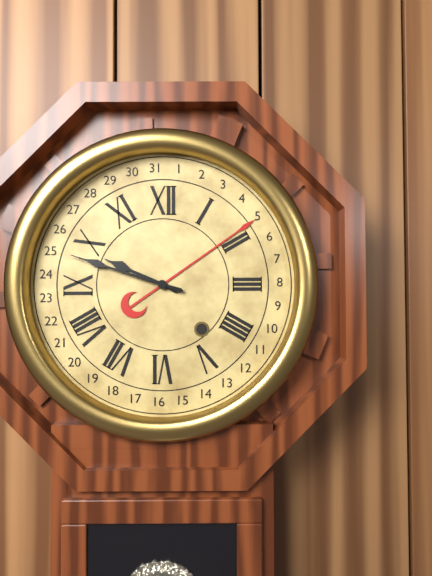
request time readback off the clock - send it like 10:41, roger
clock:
9:48
